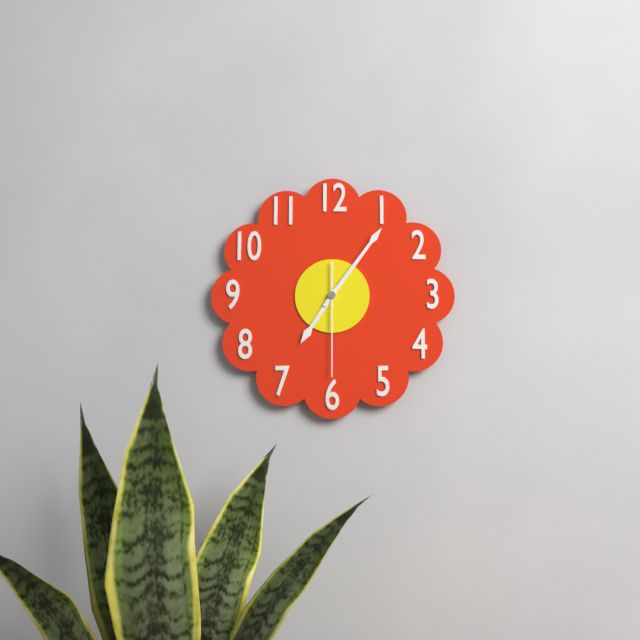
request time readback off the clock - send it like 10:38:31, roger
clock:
7:06:30
